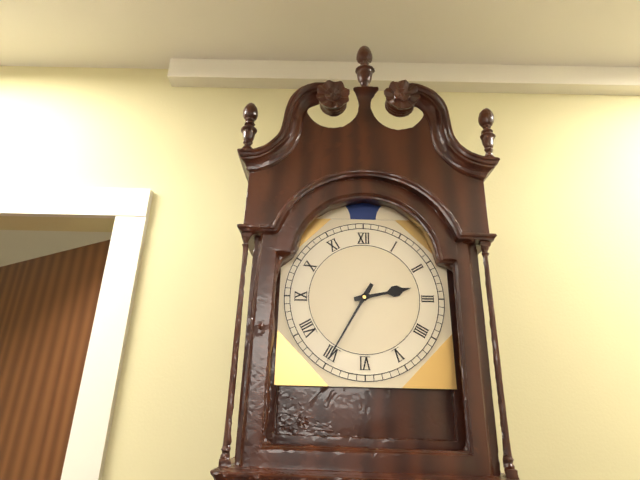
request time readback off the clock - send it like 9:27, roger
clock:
2:35
